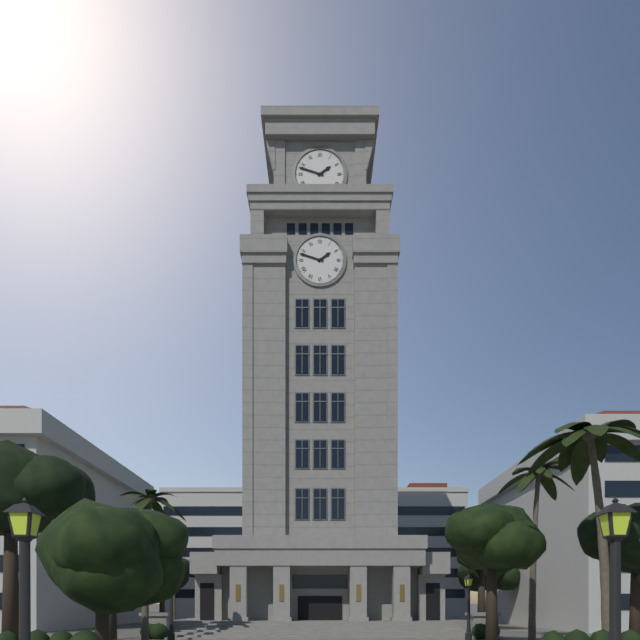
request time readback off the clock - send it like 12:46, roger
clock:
1:48
